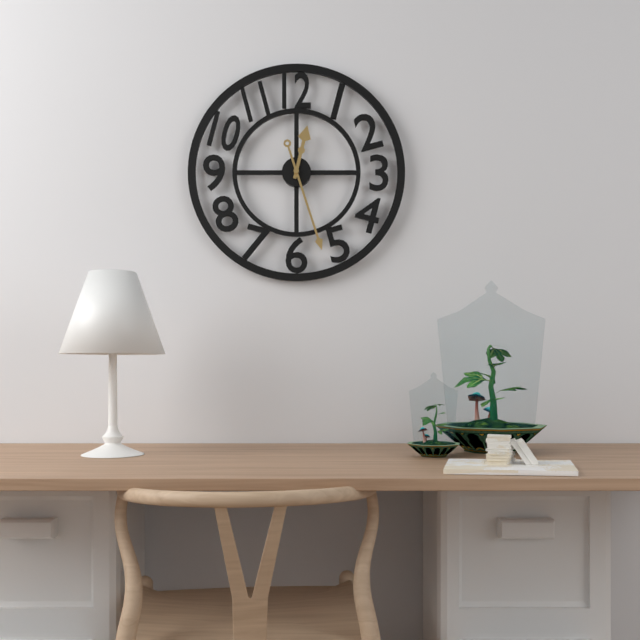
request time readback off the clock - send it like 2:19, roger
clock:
12:27
